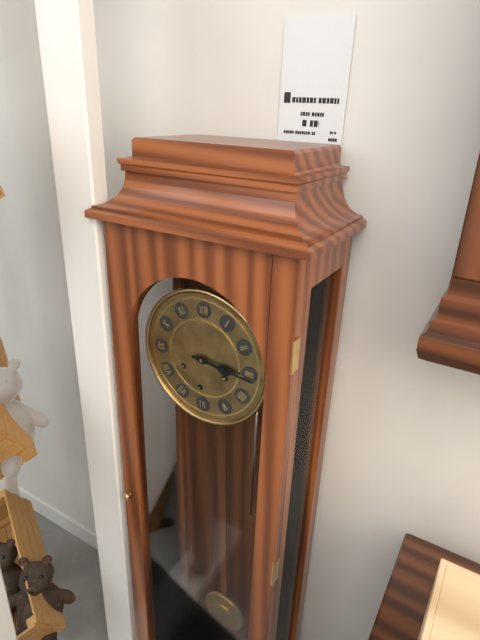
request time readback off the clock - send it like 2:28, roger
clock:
3:16
